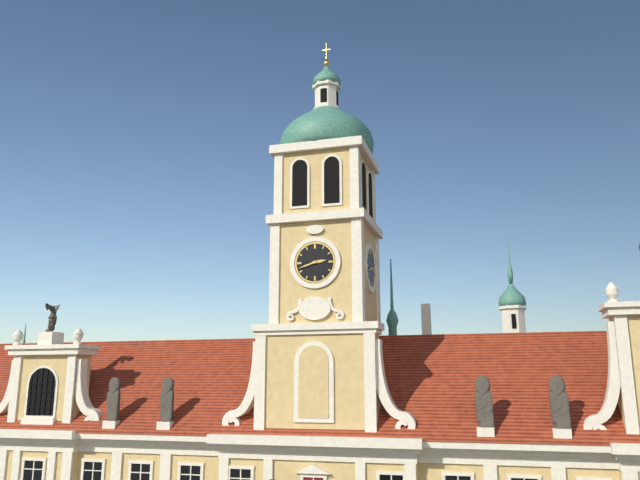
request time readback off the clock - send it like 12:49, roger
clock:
2:42
